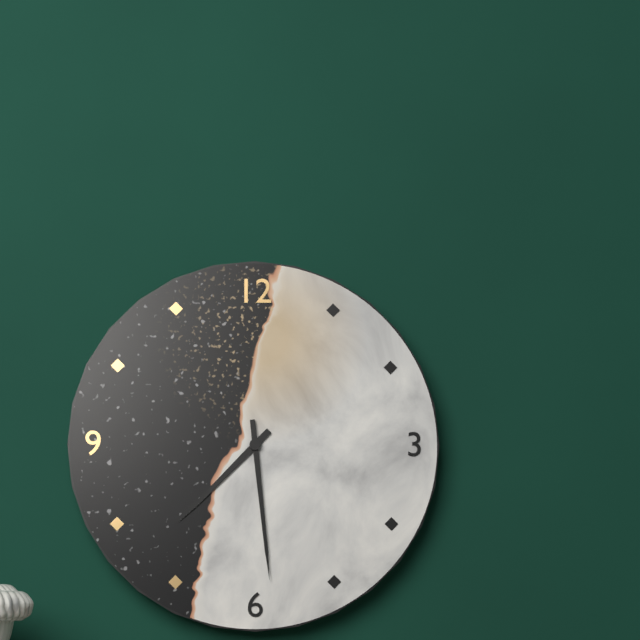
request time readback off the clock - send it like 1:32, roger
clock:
7:29
